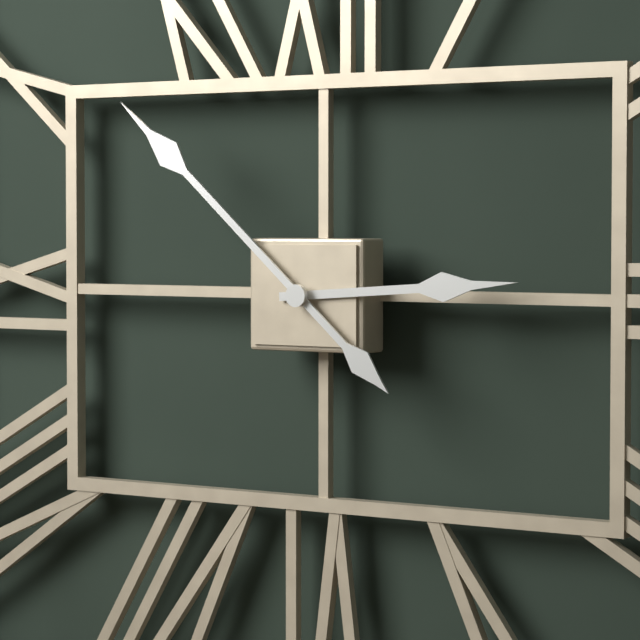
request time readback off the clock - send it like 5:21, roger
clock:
2:52
